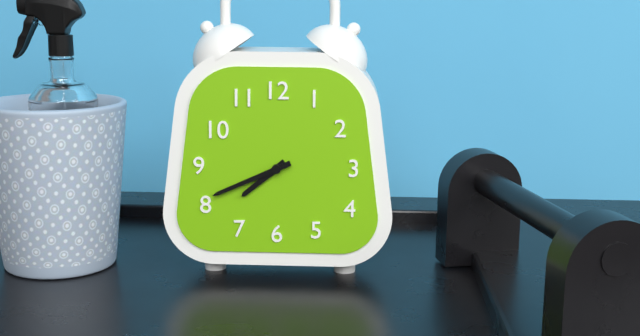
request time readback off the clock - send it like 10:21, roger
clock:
7:41
